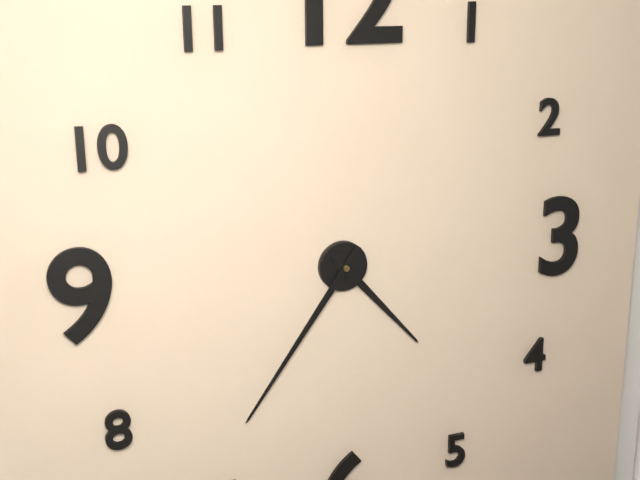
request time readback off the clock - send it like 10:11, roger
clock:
4:36
